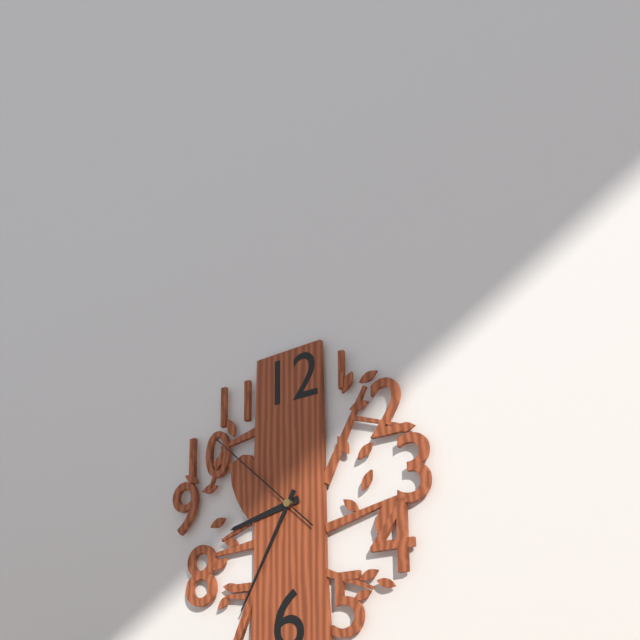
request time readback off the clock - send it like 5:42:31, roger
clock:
8:35:52
